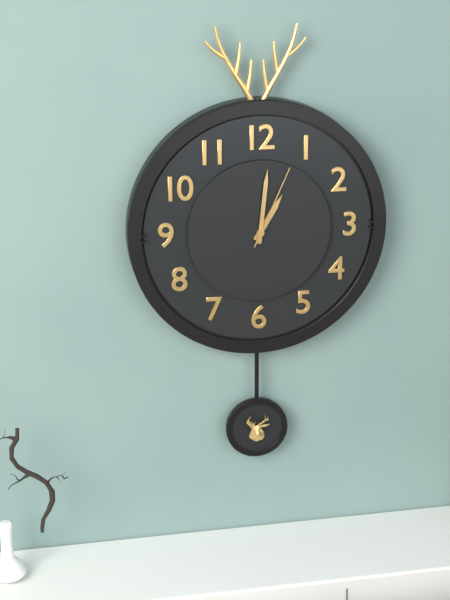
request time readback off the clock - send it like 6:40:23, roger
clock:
1:01:04
